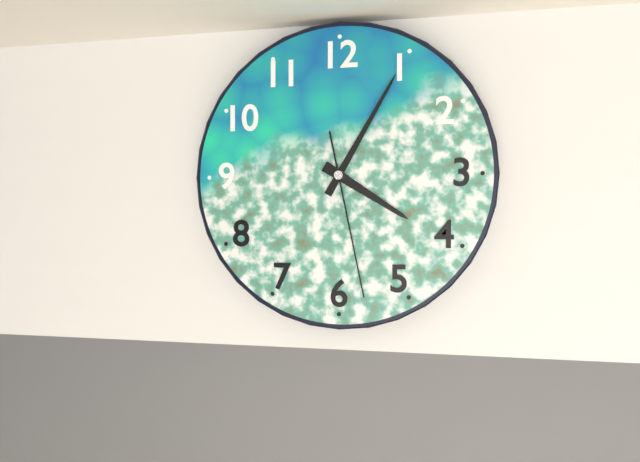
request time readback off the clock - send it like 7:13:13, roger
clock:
4:05:28
